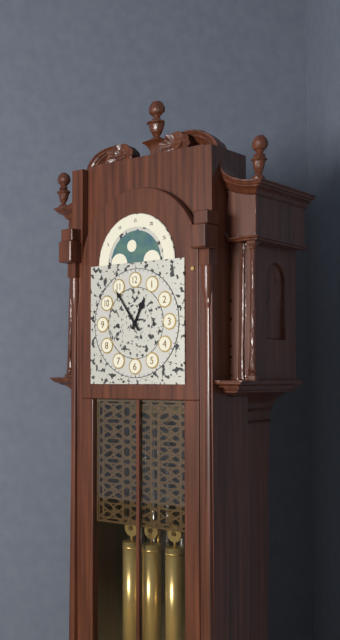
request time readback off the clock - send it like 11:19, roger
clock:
12:54
